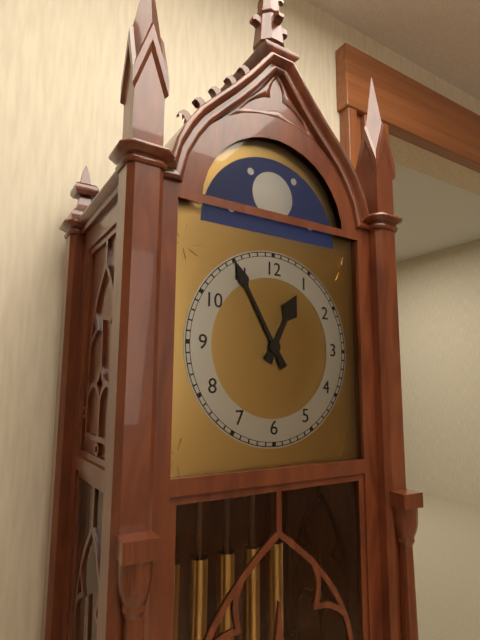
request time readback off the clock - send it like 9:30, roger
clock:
12:55
